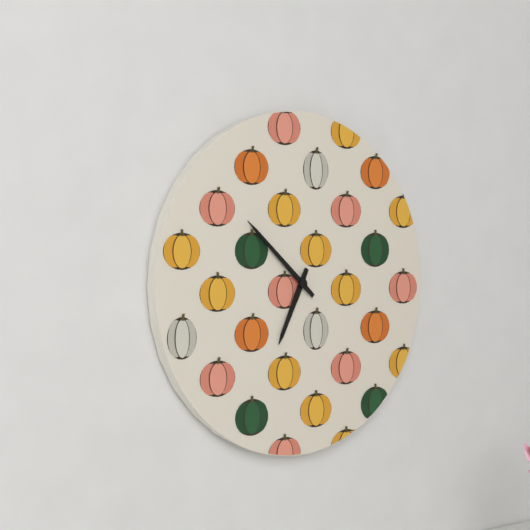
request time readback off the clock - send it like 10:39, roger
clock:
6:52
